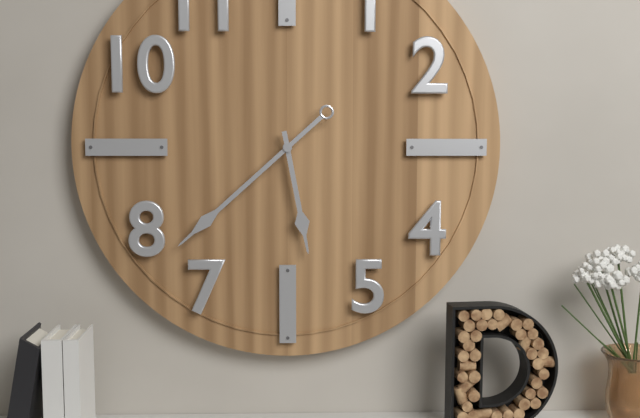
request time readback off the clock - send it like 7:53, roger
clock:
5:38
